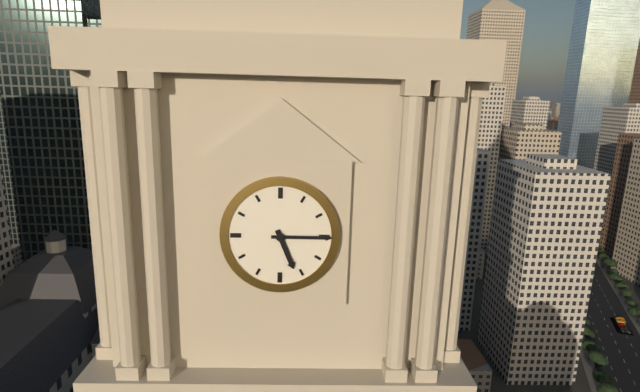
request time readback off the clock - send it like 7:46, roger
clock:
5:15
